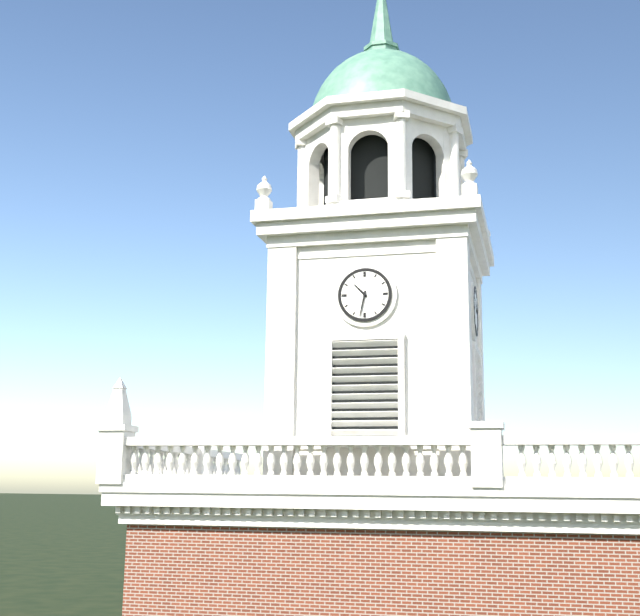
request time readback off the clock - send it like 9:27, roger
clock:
10:32
